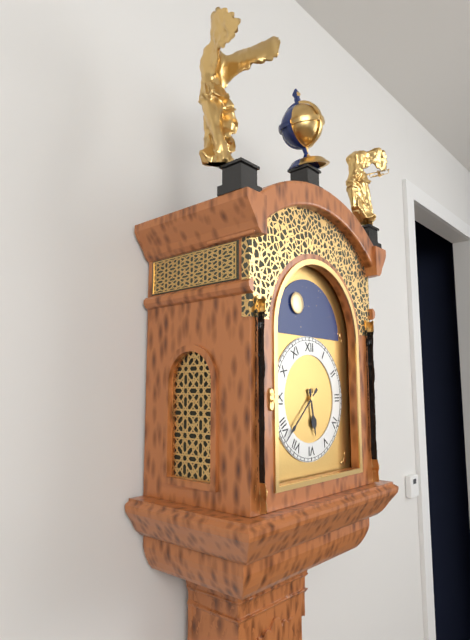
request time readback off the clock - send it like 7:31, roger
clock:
5:38
